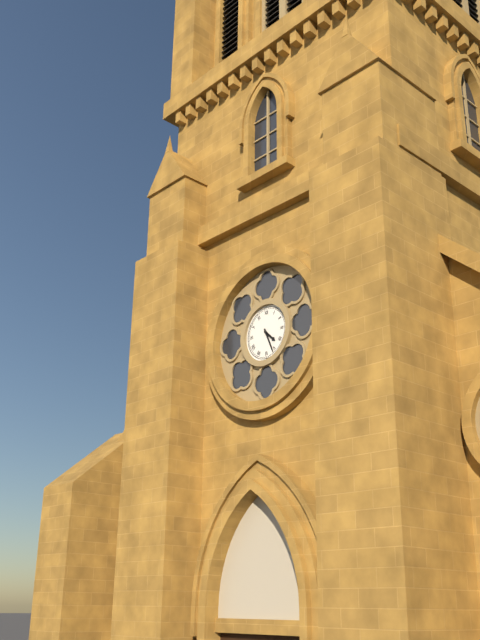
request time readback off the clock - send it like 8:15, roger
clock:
4:26
